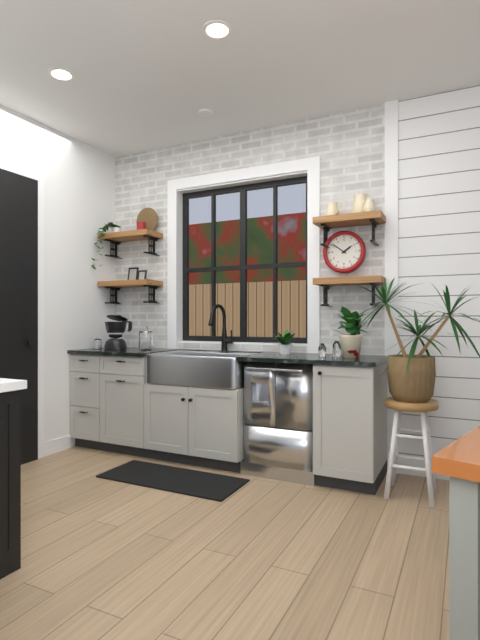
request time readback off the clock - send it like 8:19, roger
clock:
1:51
